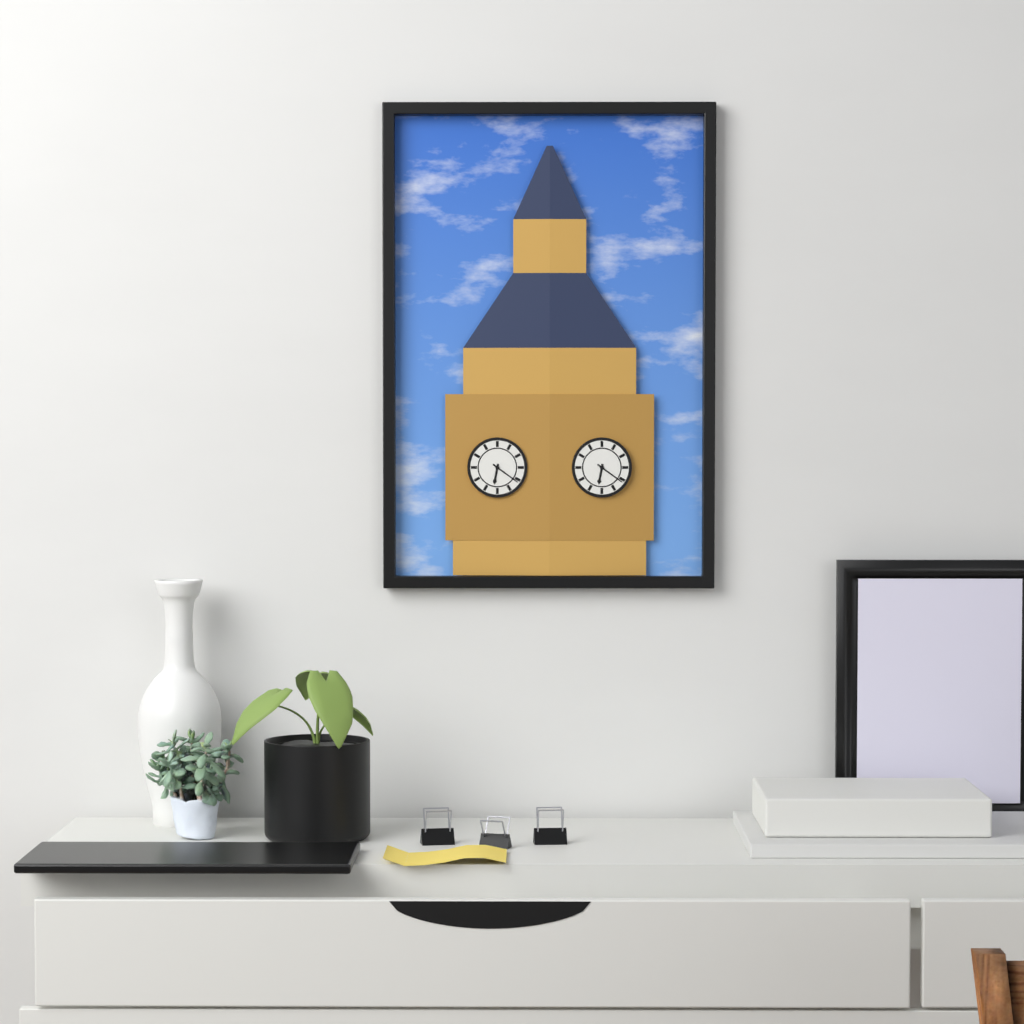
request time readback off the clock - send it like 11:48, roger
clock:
6:21
